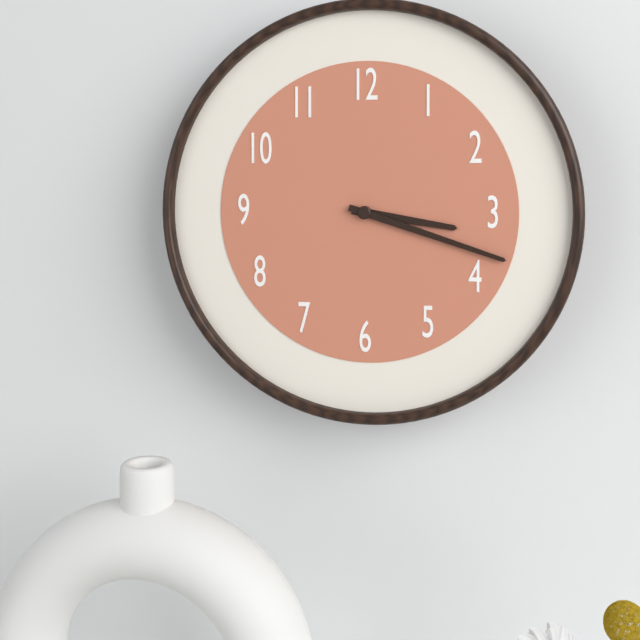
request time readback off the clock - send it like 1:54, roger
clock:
3:18
